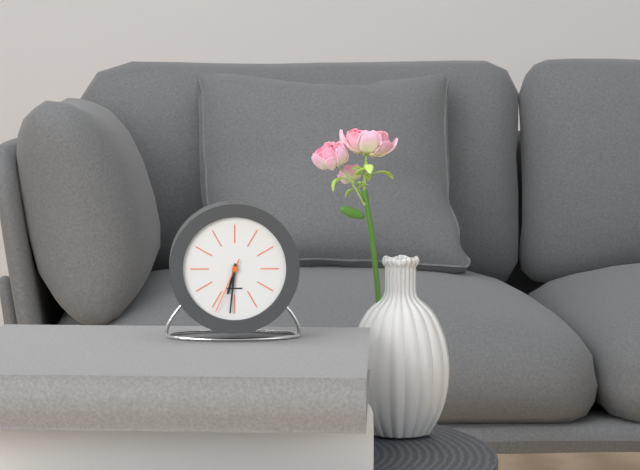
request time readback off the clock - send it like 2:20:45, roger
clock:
6:31:34
